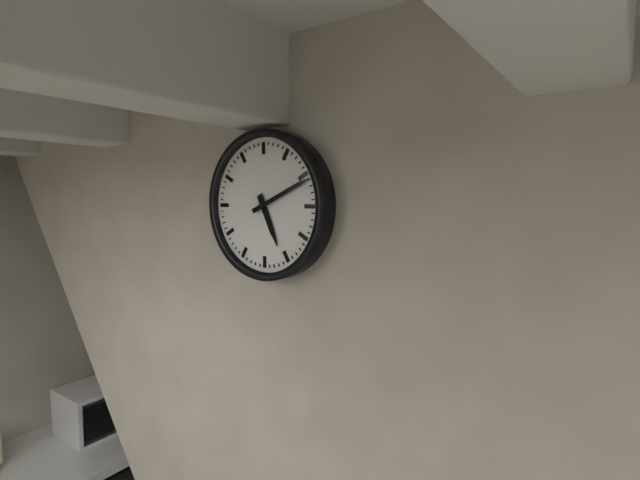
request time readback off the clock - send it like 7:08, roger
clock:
5:11
